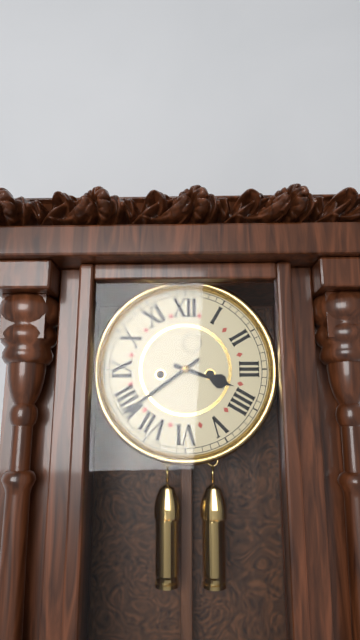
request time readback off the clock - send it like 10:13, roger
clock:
3:39
